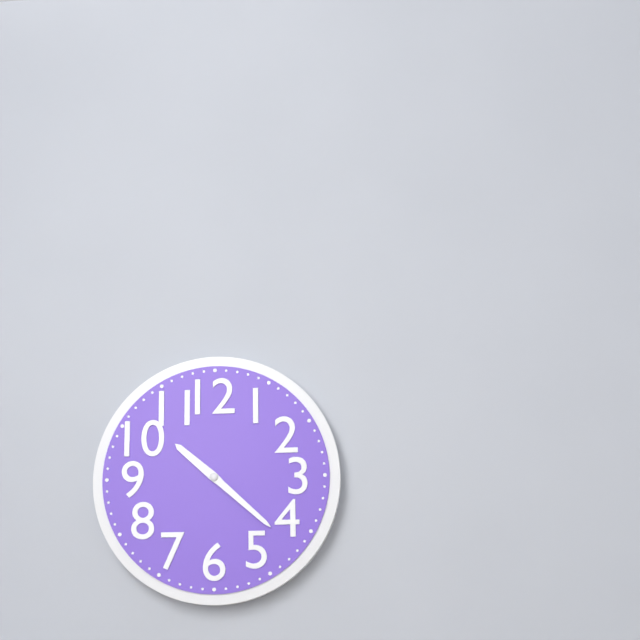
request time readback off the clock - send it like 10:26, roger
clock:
10:22
